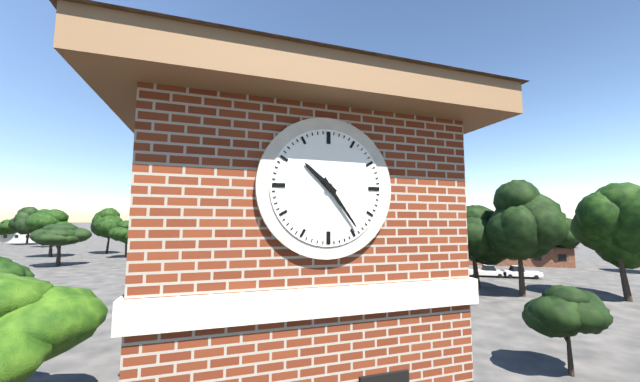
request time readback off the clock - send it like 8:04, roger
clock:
10:24
